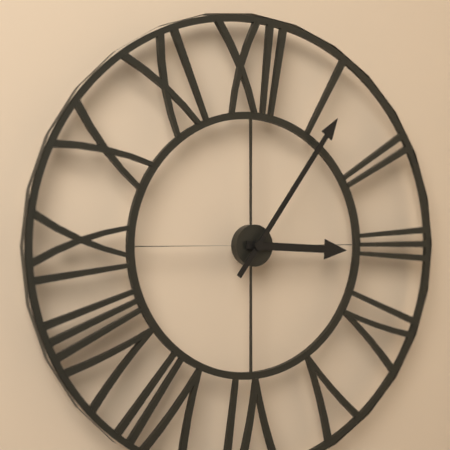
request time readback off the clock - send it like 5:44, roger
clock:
3:06
